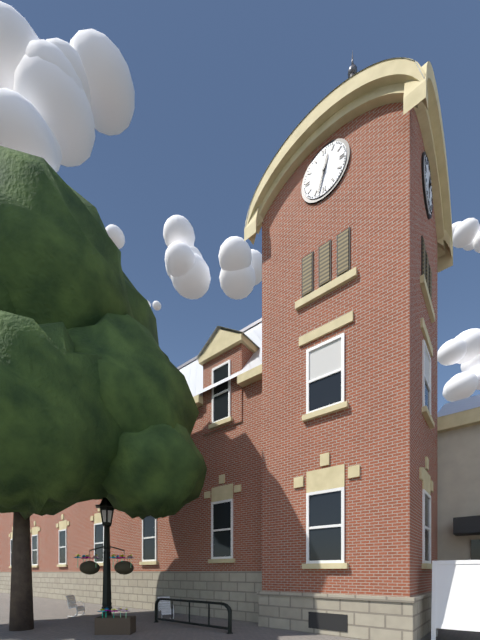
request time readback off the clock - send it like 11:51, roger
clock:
12:33
